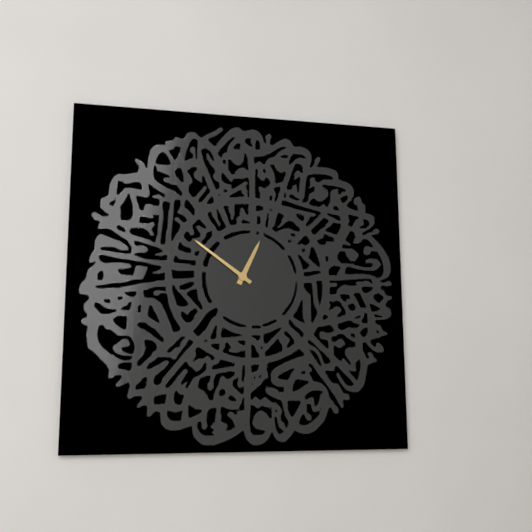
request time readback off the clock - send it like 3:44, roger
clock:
12:51
